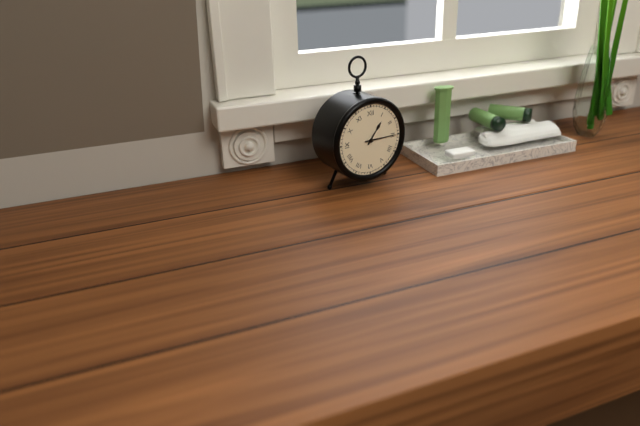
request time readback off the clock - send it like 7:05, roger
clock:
1:15
